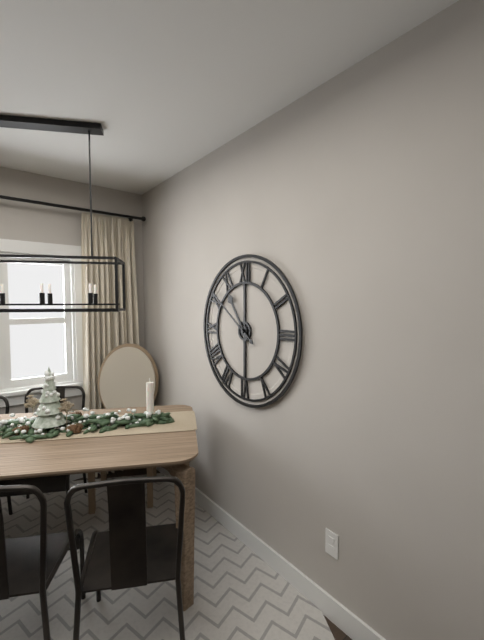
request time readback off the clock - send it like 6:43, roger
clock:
10:51
